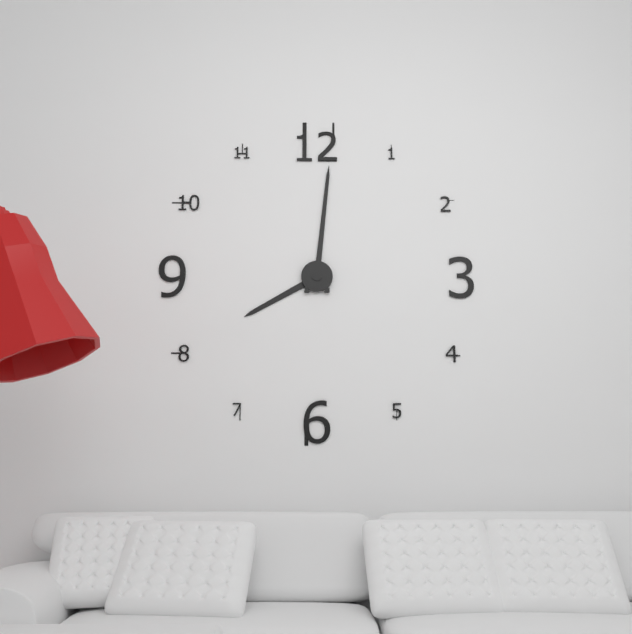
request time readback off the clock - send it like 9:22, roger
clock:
8:01
